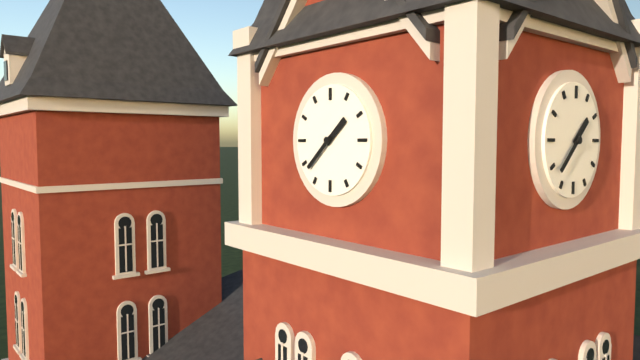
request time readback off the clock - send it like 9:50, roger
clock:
1:38
